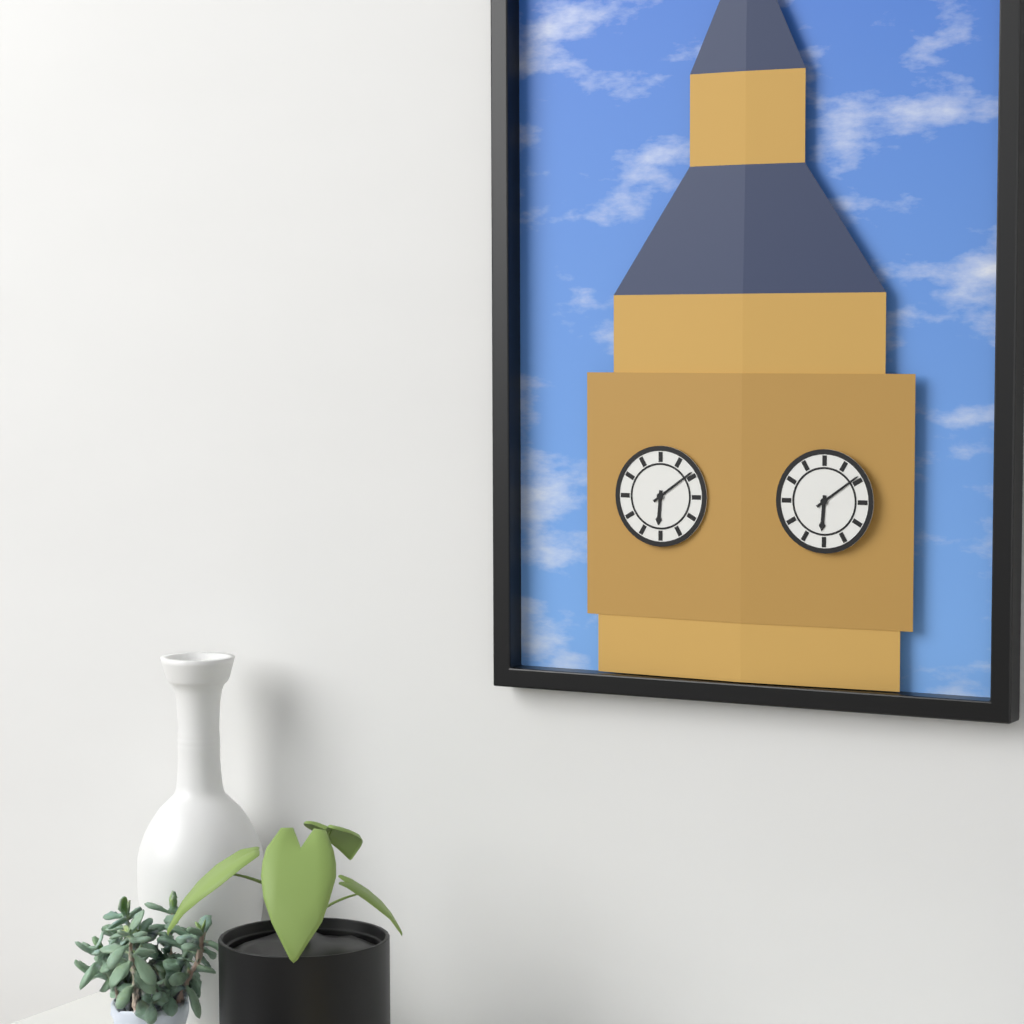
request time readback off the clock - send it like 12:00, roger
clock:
6:09
